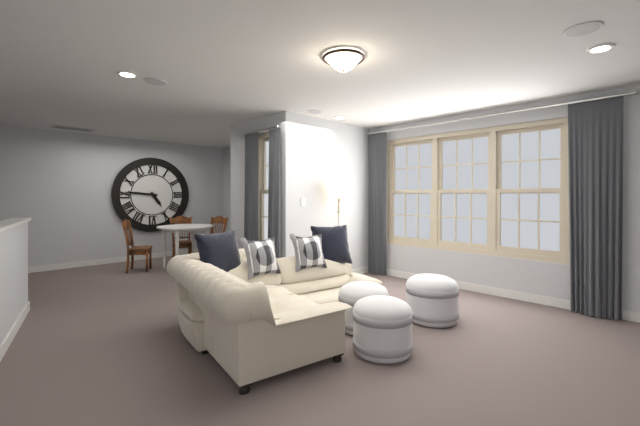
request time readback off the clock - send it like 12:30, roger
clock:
4:46
